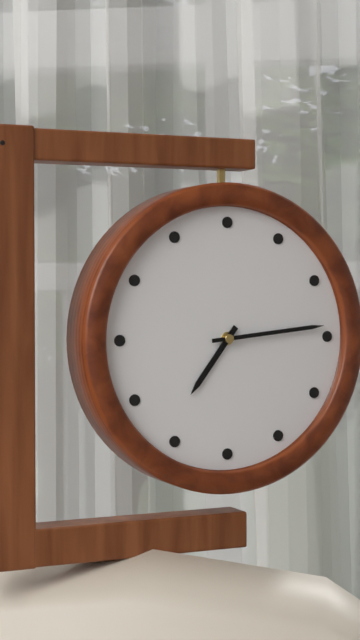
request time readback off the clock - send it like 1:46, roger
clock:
7:14
